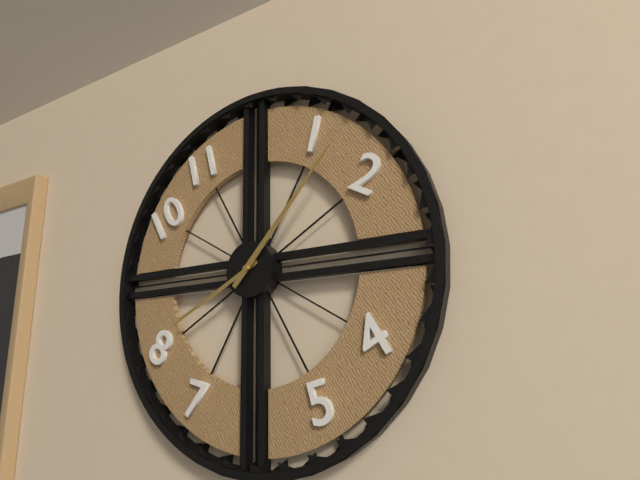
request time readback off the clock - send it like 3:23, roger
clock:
8:07
